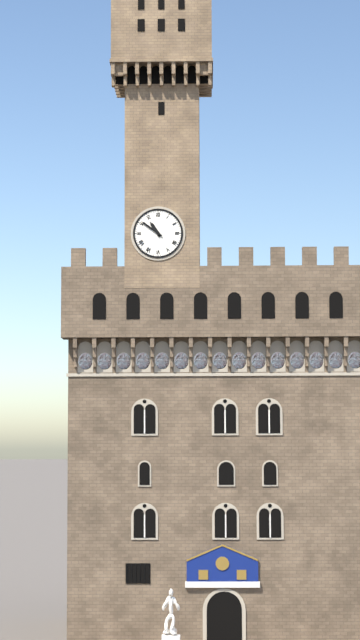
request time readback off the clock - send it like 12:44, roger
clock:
10:51
